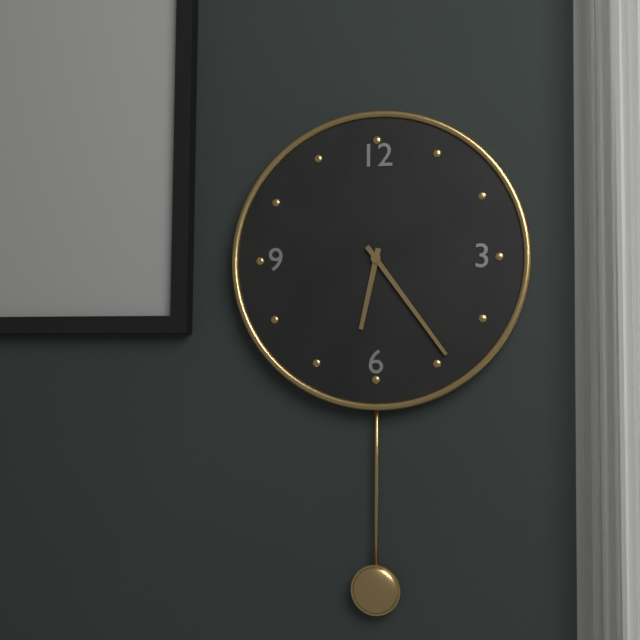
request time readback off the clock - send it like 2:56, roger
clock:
6:24
